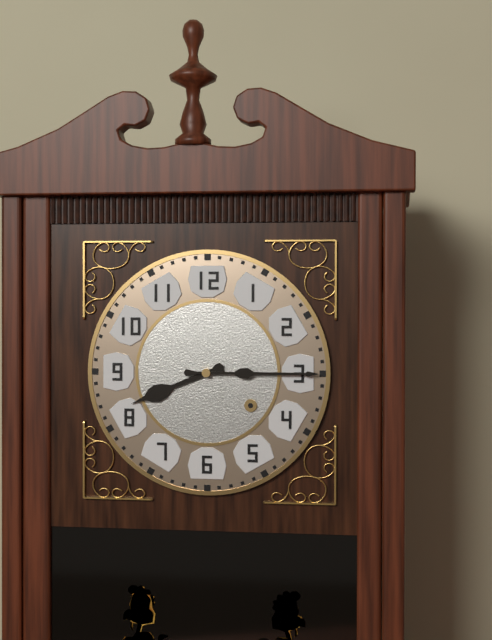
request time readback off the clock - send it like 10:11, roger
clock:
8:15
